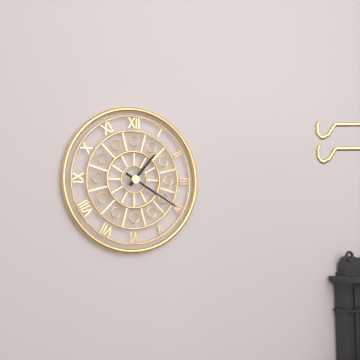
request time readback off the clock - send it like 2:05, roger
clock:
1:20
